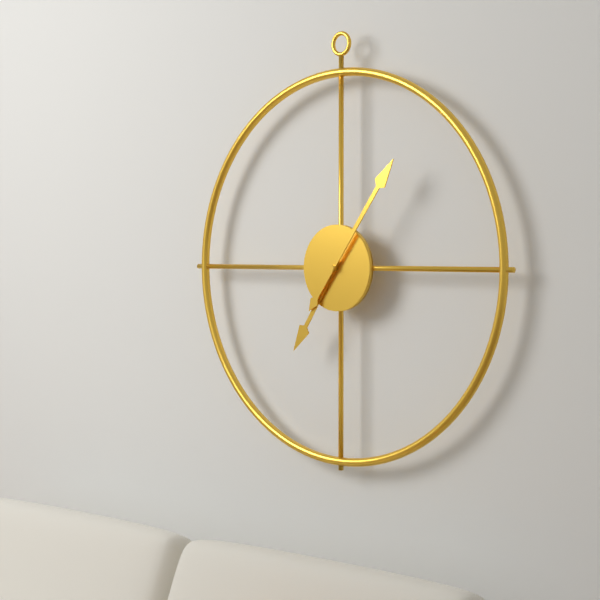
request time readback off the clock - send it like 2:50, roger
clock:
7:06
